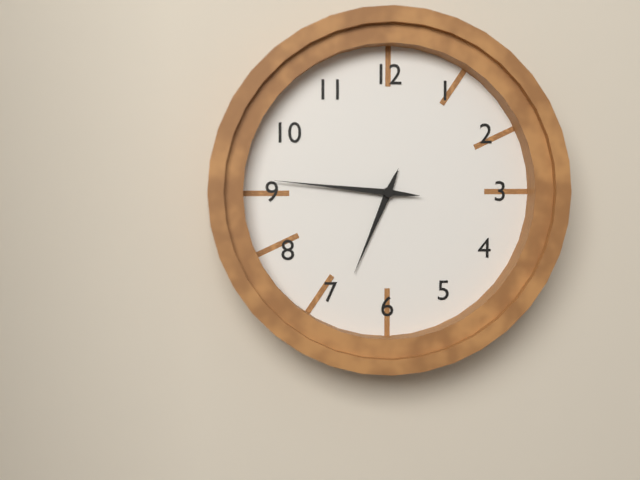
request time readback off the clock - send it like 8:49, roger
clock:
6:46
